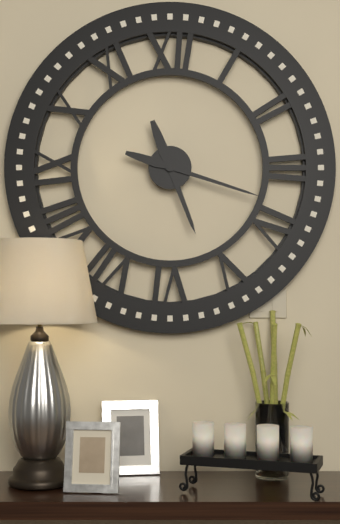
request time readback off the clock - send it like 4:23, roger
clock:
5:18
